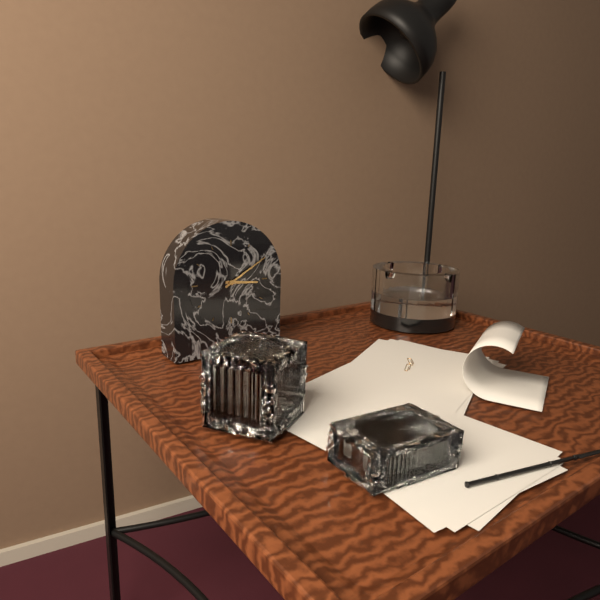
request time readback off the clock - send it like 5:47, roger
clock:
3:10
